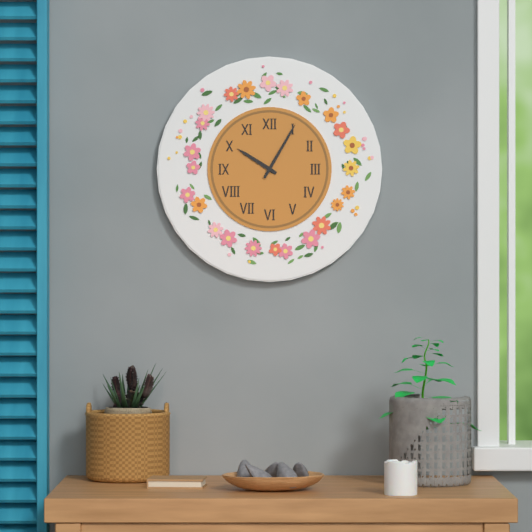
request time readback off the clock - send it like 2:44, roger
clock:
10:05
